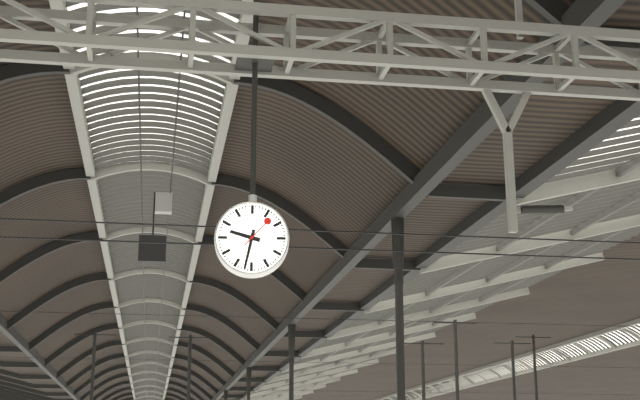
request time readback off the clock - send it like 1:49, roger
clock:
9:32
